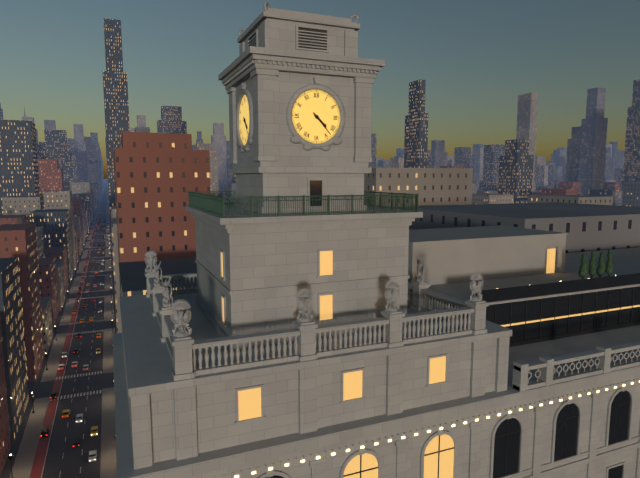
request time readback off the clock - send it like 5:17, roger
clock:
4:23
